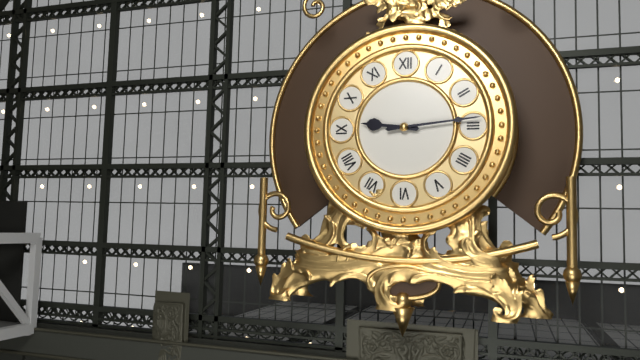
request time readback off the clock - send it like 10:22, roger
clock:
9:14
